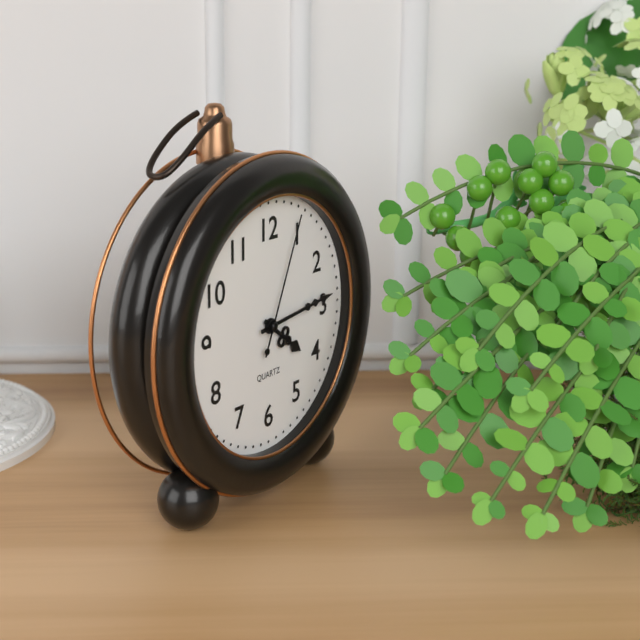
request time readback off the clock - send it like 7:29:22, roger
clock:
4:14:04
